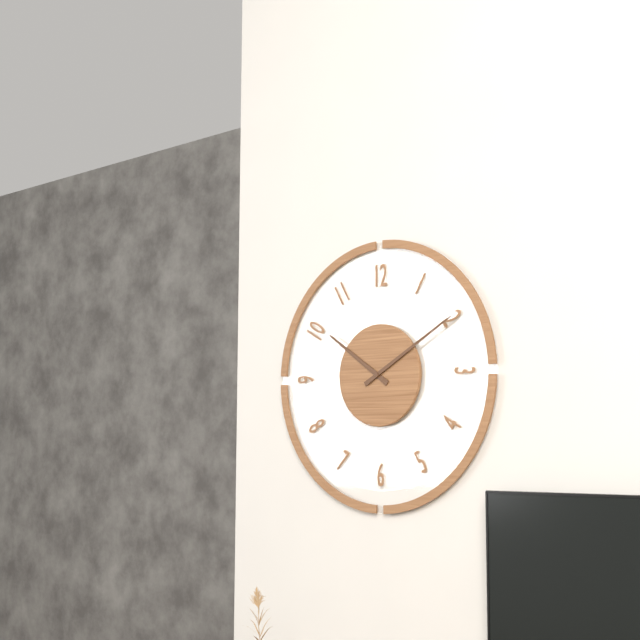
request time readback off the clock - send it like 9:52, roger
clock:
10:10
